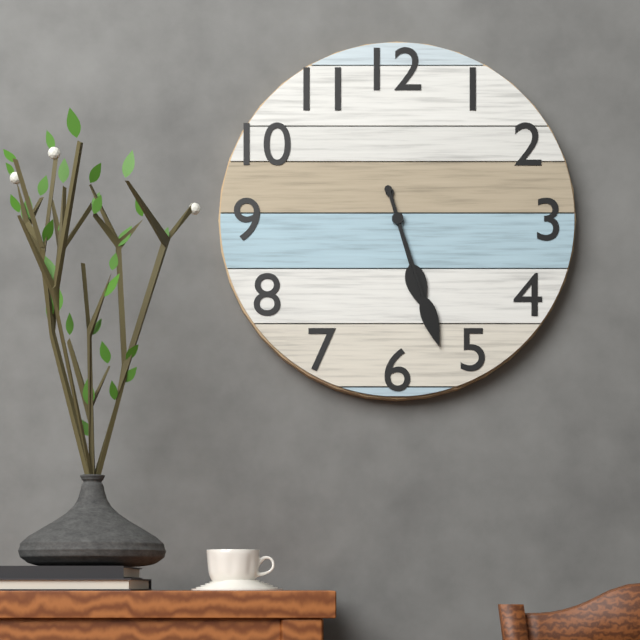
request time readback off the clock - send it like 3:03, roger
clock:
5:27
